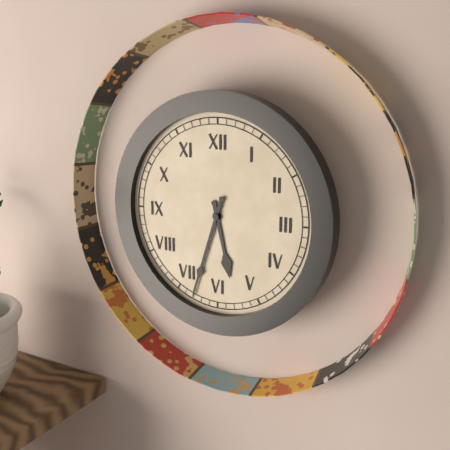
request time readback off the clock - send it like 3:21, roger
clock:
5:33
